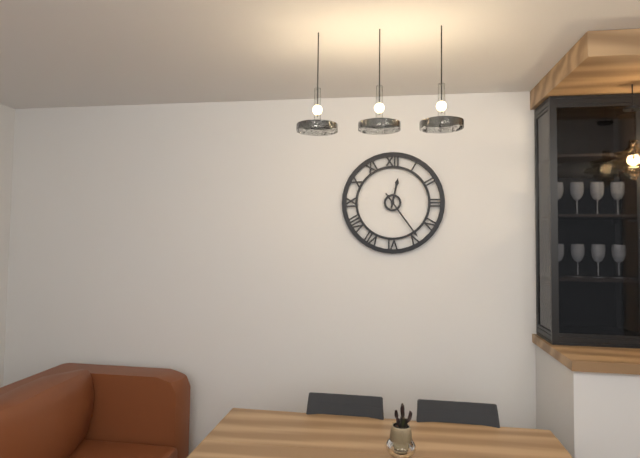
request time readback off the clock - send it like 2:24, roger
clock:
12:24
